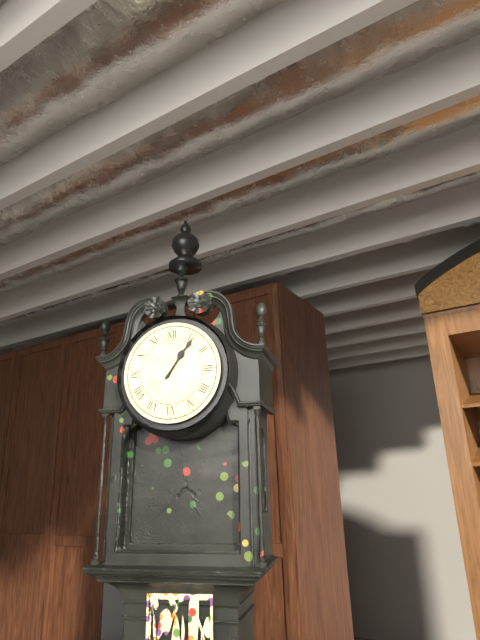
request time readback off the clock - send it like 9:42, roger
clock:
1:06
